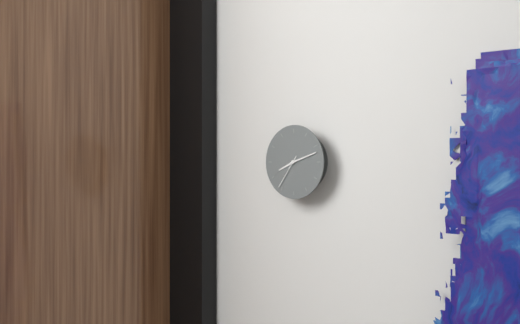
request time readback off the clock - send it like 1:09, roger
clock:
8:12
